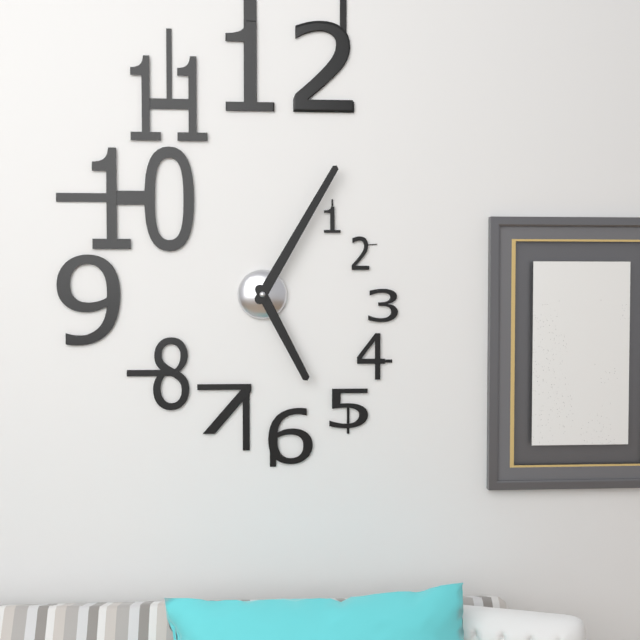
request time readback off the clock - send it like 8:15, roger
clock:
5:05
